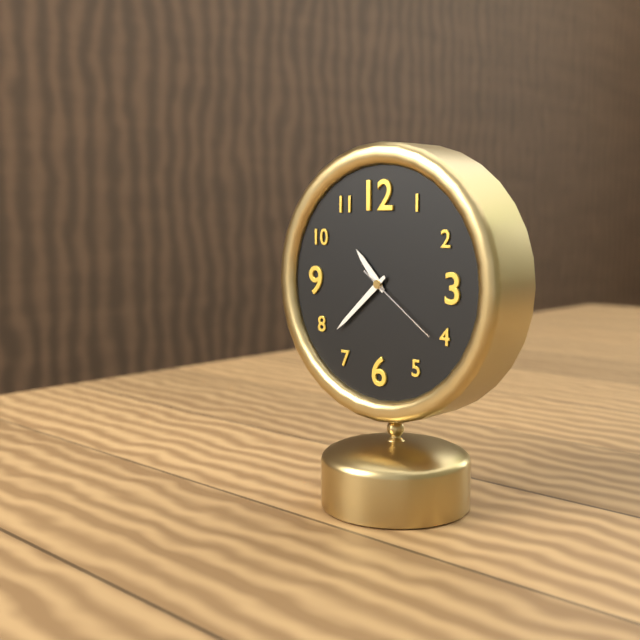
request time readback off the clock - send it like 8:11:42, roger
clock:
10:38:21
